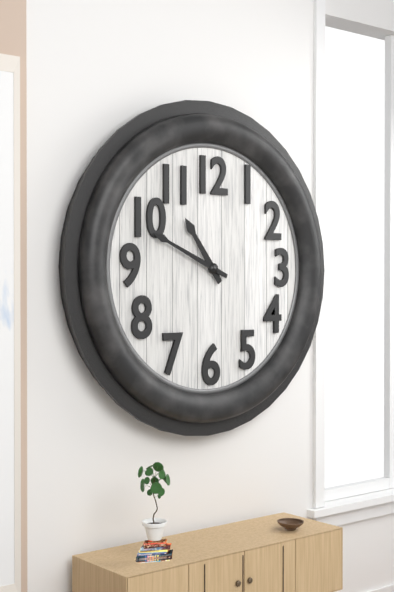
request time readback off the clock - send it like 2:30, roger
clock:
10:49
